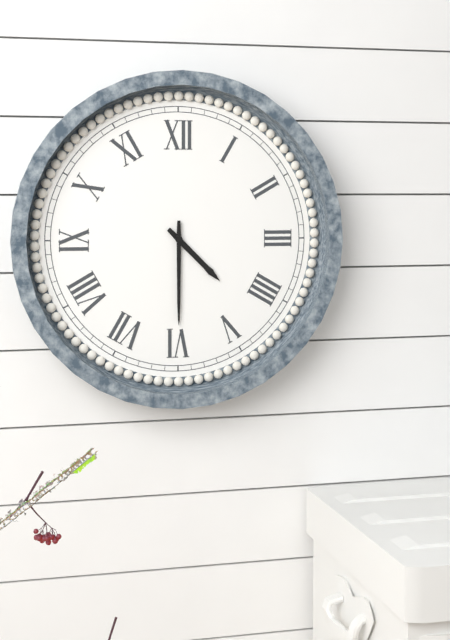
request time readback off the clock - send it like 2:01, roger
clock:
4:30
